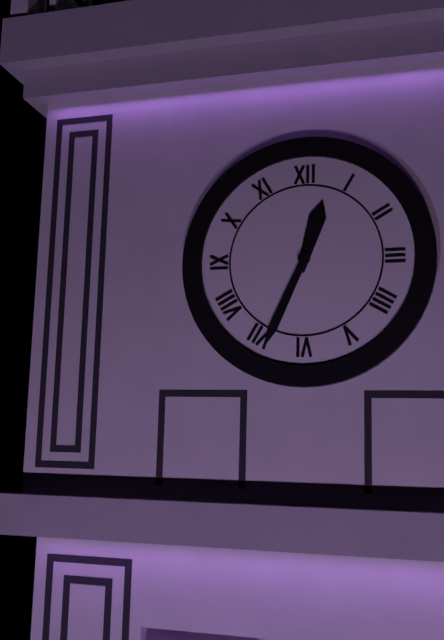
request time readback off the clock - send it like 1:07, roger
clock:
12:34
